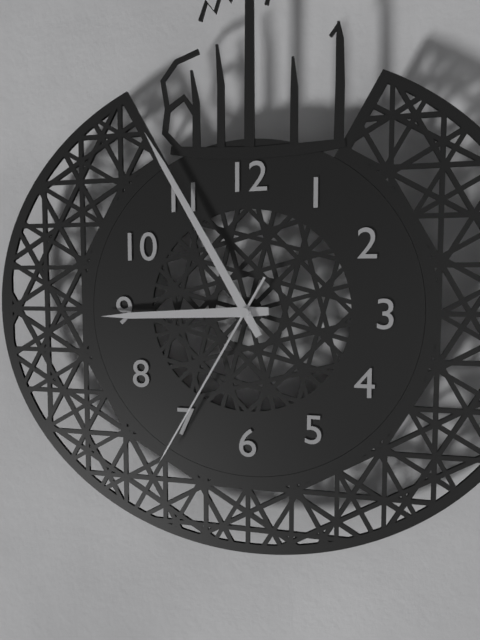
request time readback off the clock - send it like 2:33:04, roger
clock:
8:55:35
